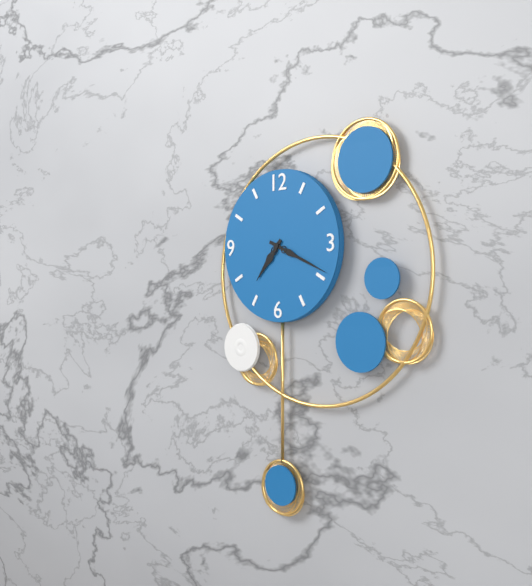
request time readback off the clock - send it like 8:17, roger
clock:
7:19
